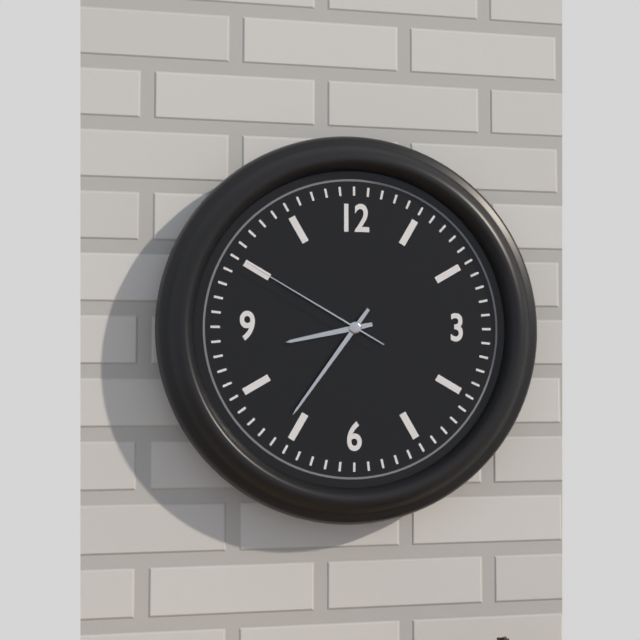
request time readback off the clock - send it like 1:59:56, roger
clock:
8:36:50
